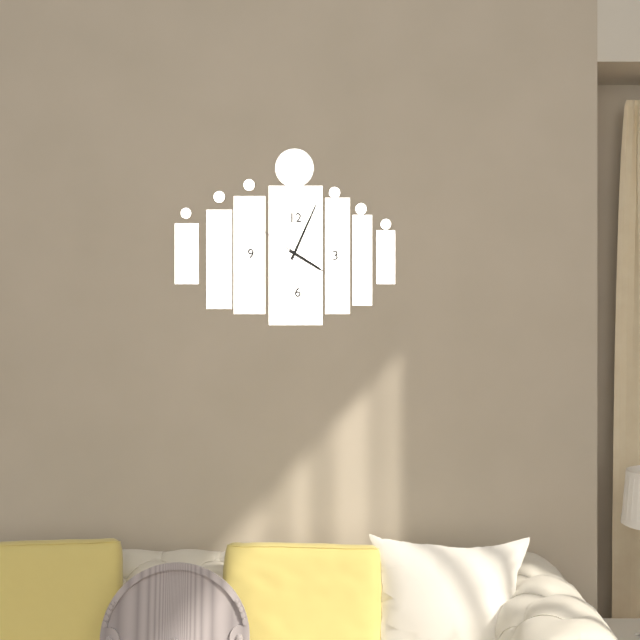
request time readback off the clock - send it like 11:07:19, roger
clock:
4:04:51
